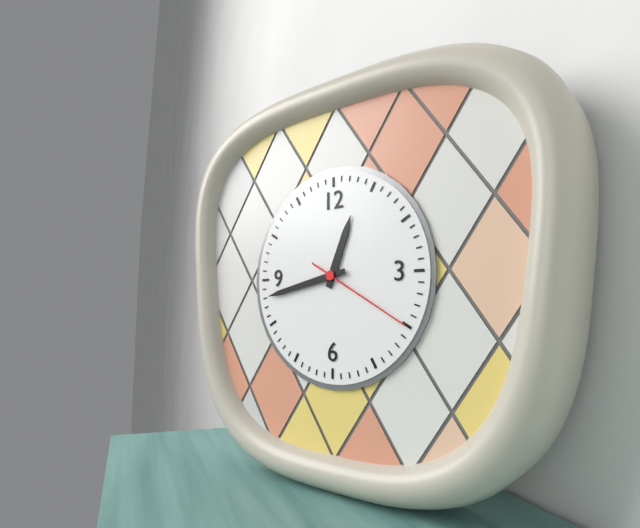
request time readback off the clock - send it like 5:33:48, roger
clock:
12:43:20
